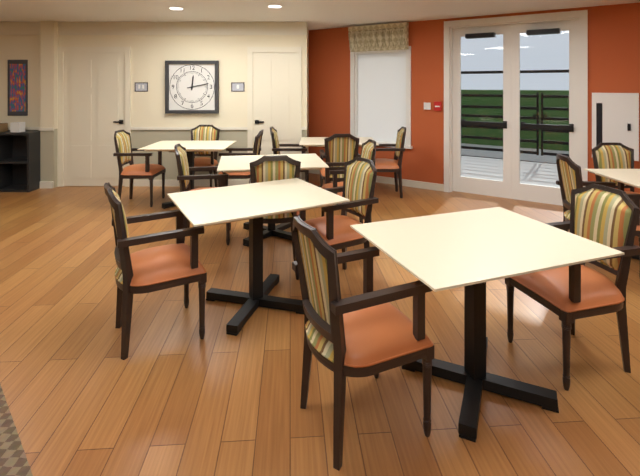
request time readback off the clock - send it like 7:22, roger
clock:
12:13
